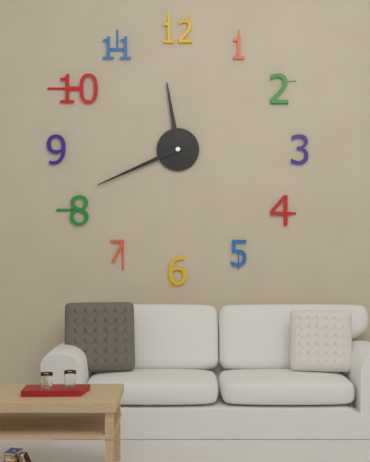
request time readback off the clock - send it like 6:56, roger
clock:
11:41
